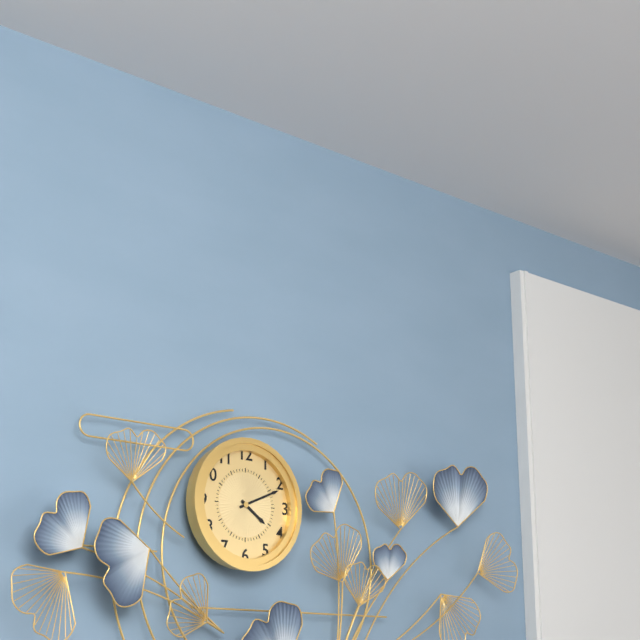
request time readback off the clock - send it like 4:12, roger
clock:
4:11
